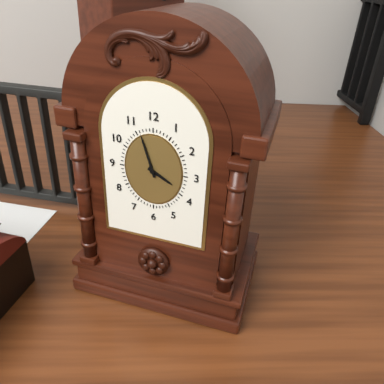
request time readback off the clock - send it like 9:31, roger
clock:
3:57
